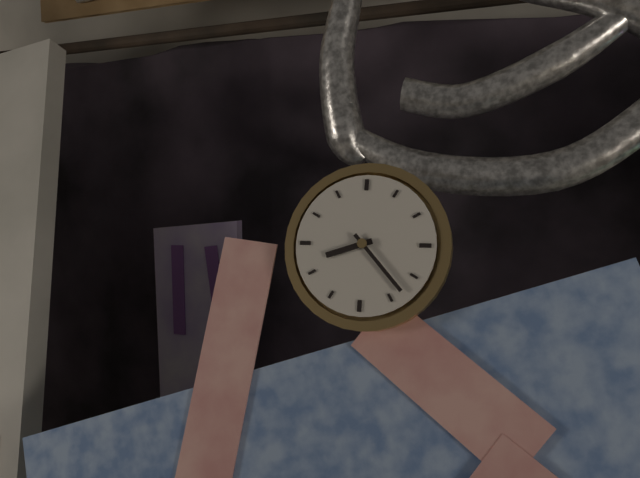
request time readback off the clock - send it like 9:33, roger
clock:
8:23
